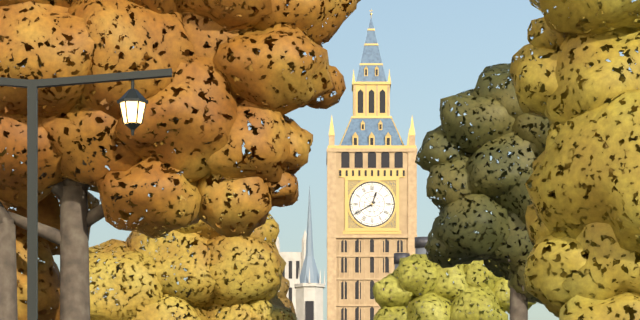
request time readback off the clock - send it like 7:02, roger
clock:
12:40
